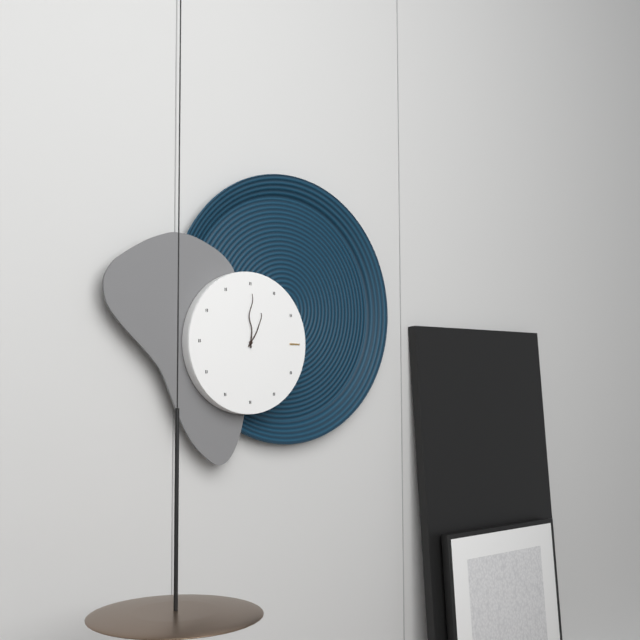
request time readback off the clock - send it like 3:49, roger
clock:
1:00
